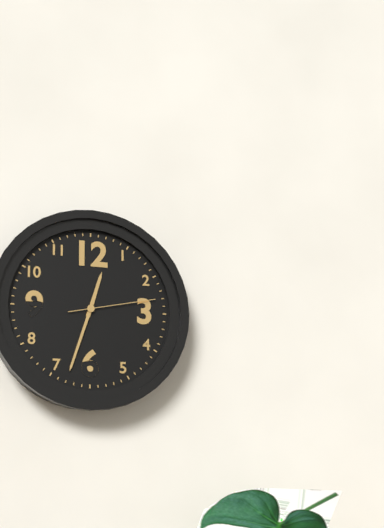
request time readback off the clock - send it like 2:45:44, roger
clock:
12:33:13
